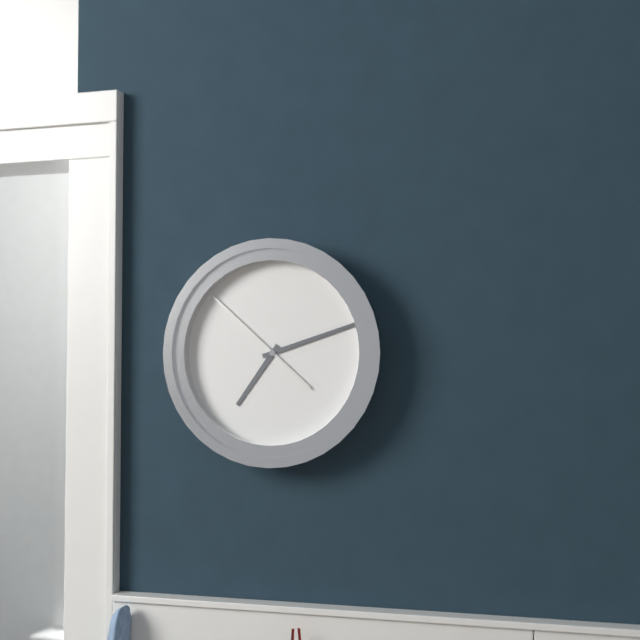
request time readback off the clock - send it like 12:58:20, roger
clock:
7:12:52
